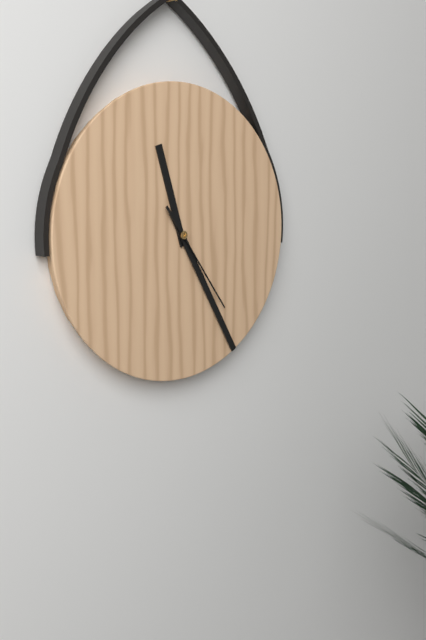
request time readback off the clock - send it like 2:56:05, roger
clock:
11:25:24
